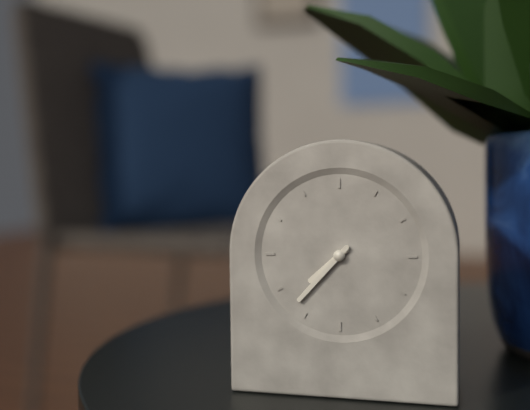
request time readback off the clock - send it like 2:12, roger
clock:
7:37
